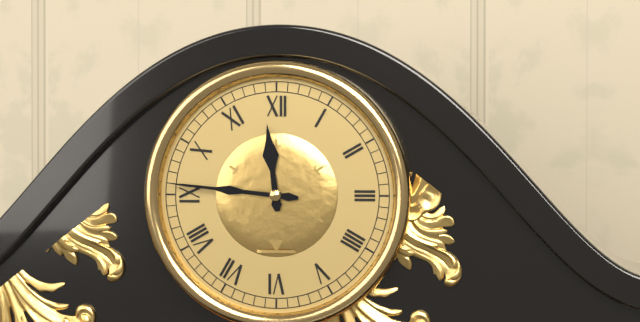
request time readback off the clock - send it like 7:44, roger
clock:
11:46
